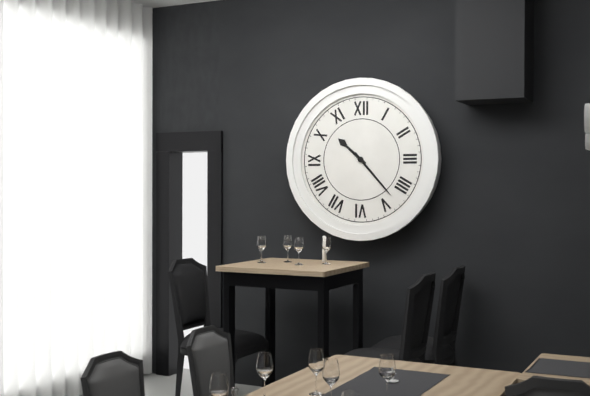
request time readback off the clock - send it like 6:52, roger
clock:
10:23
